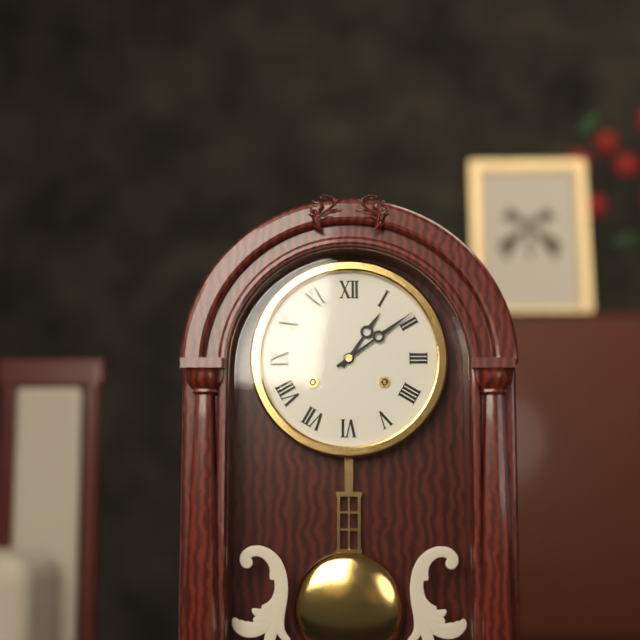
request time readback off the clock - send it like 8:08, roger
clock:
1:09
